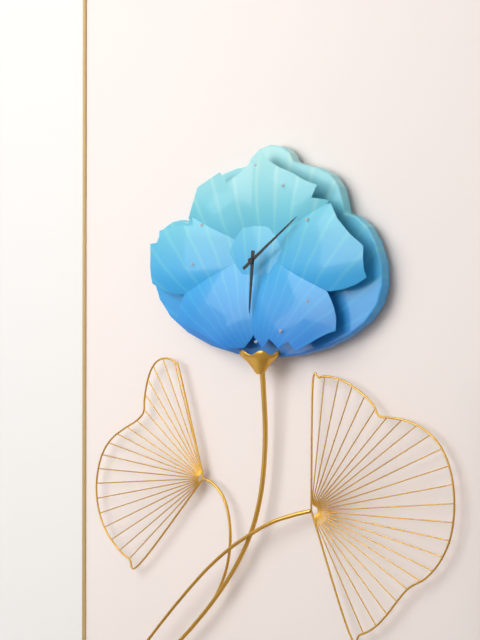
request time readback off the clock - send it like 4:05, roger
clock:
6:09
